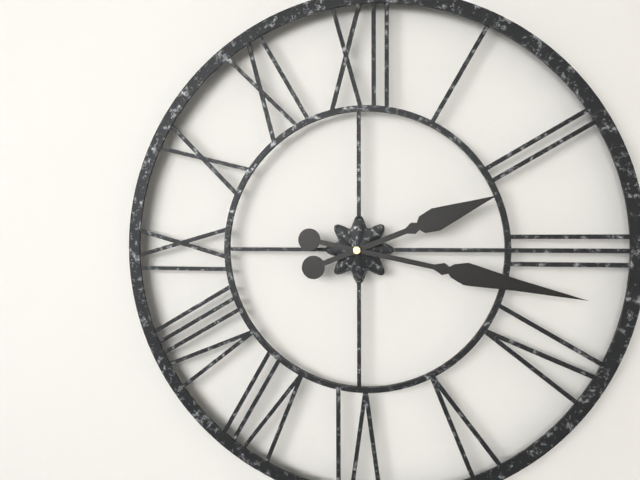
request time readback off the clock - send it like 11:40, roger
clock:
2:17
